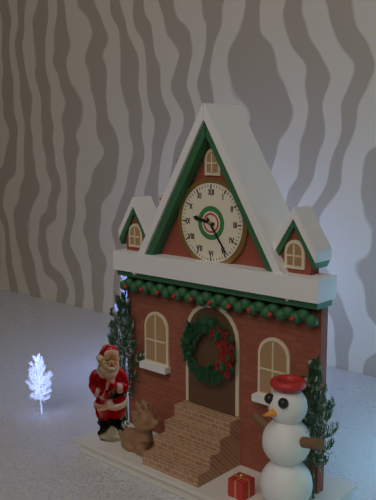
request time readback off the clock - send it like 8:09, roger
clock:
9:24
